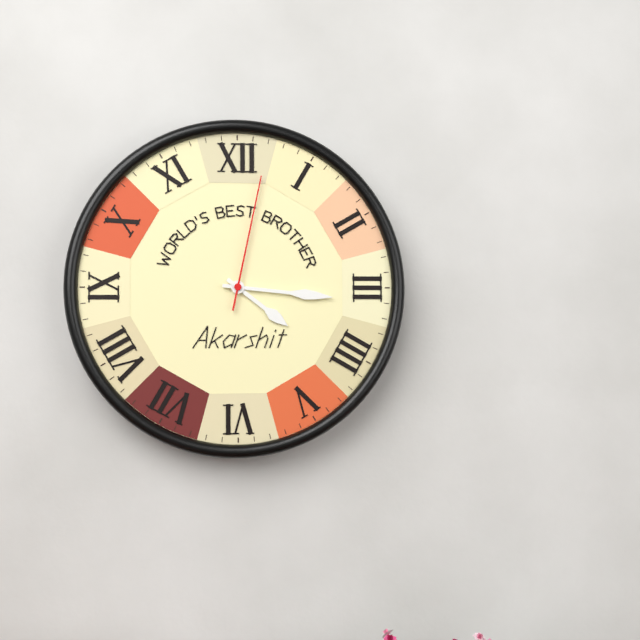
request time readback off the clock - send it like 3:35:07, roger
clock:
4:16:02
